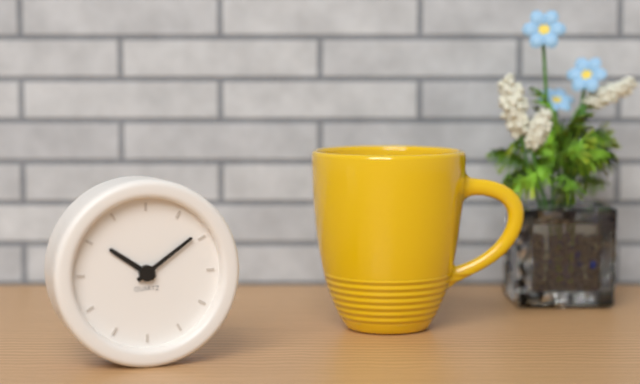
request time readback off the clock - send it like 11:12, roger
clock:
10:09
